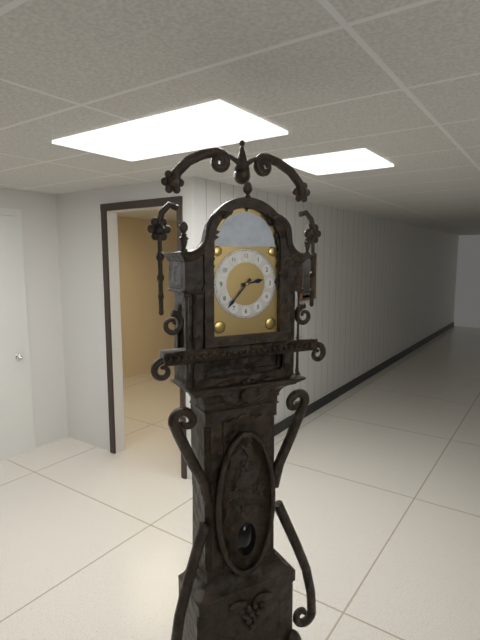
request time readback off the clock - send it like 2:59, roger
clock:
2:37
